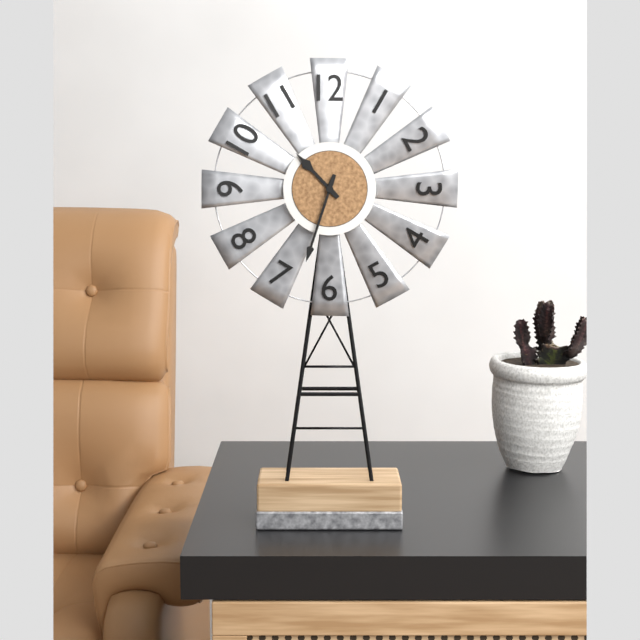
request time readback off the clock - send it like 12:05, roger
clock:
10:33
